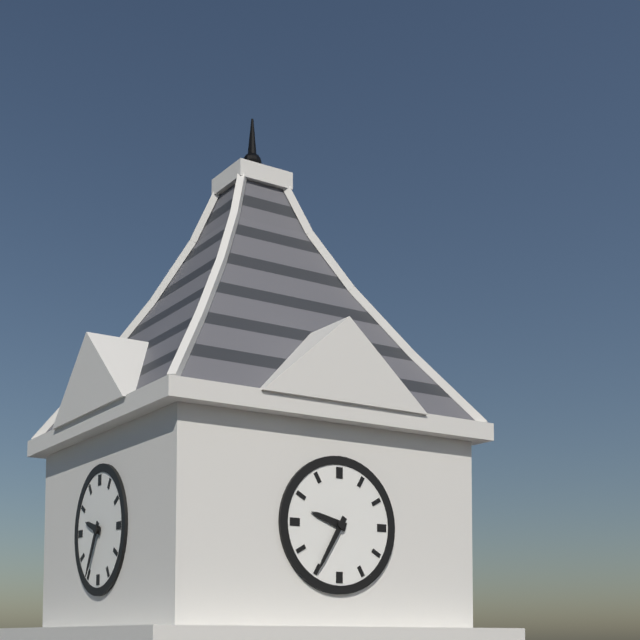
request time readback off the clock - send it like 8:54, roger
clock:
9:35
